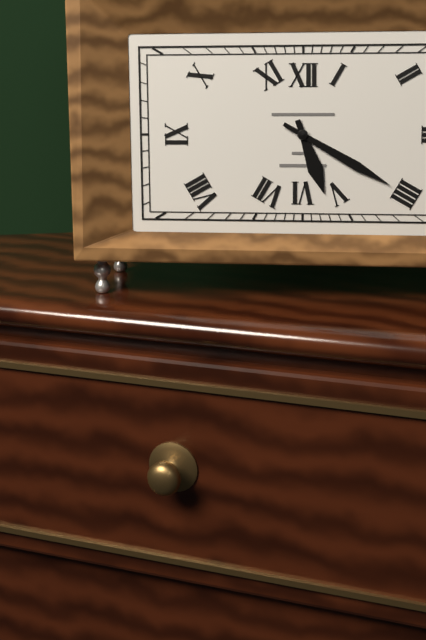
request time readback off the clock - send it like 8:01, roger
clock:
5:20
